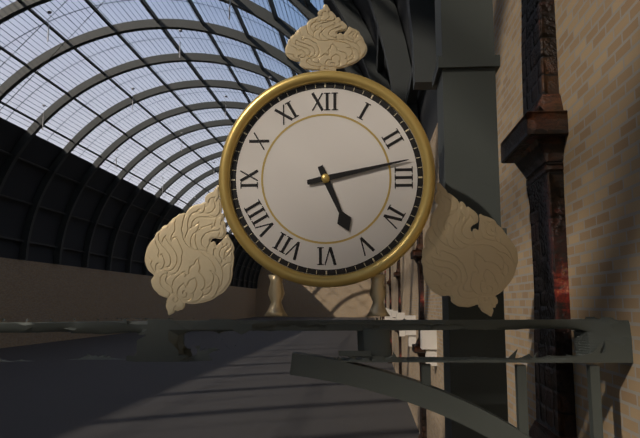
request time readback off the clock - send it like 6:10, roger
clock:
5:13
